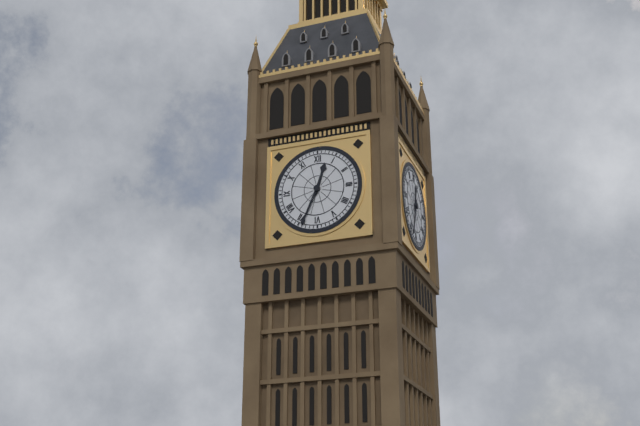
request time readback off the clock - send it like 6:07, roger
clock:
12:34
